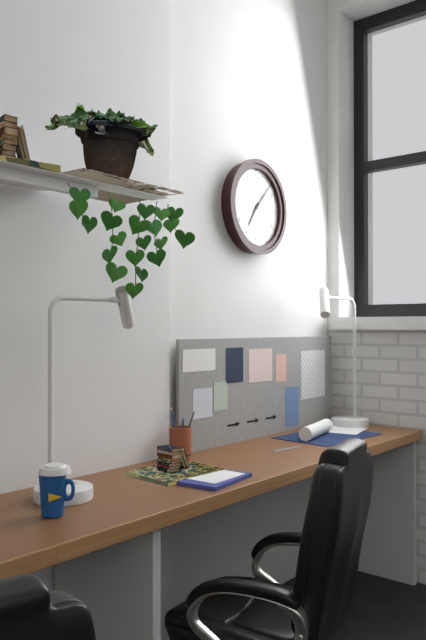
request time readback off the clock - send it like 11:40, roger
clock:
7:07
